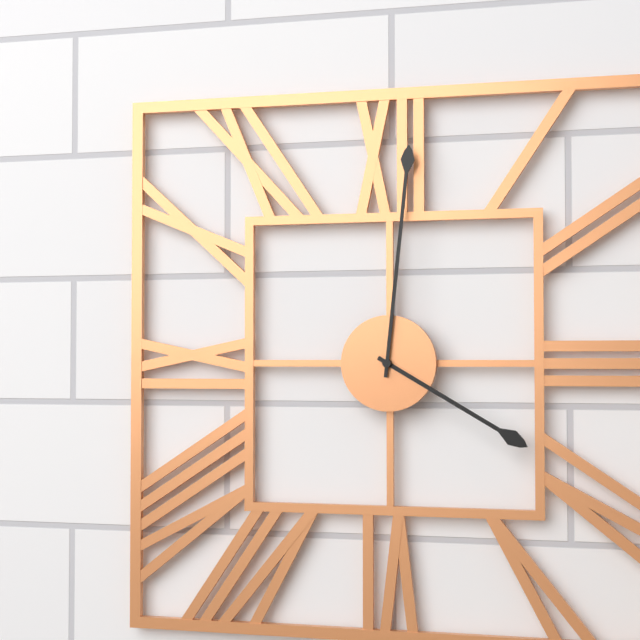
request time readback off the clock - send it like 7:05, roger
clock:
4:01
